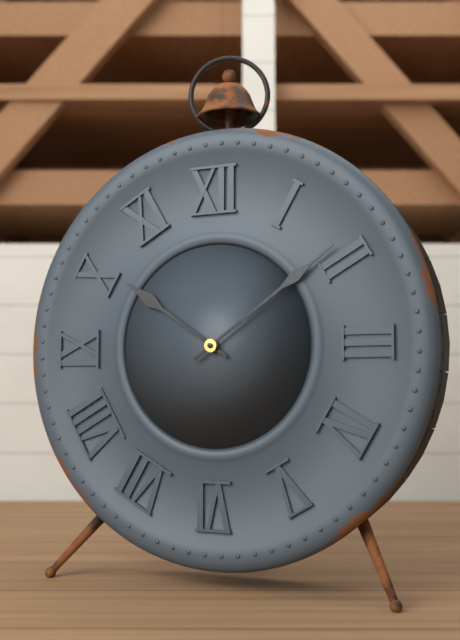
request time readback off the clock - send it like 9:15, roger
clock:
10:09
